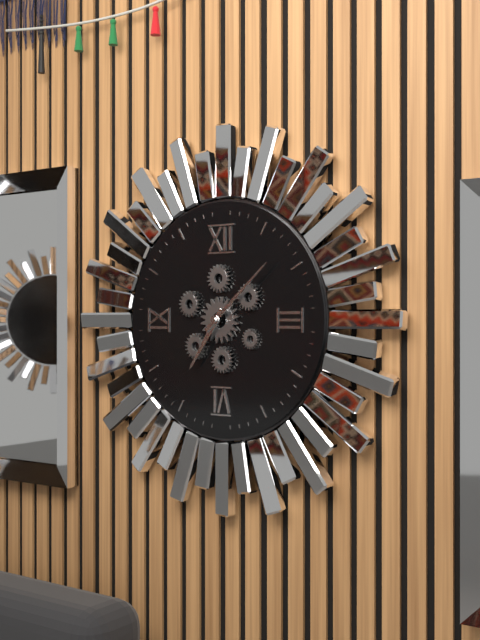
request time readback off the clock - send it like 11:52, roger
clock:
7:08
